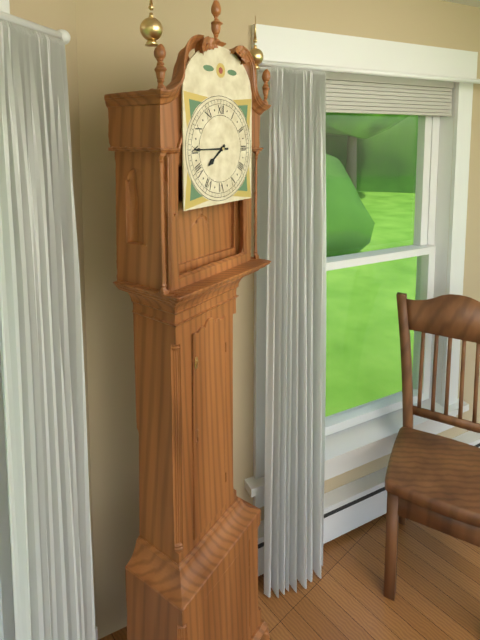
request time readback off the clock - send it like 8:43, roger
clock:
7:45
